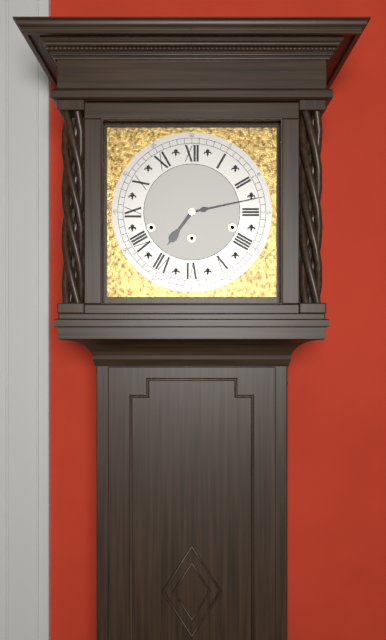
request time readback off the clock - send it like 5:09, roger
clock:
7:13
